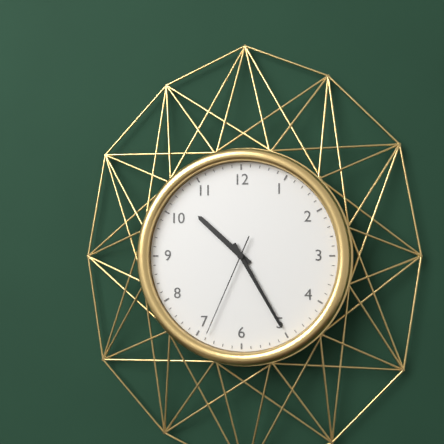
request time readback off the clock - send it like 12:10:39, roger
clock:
10:25:34
